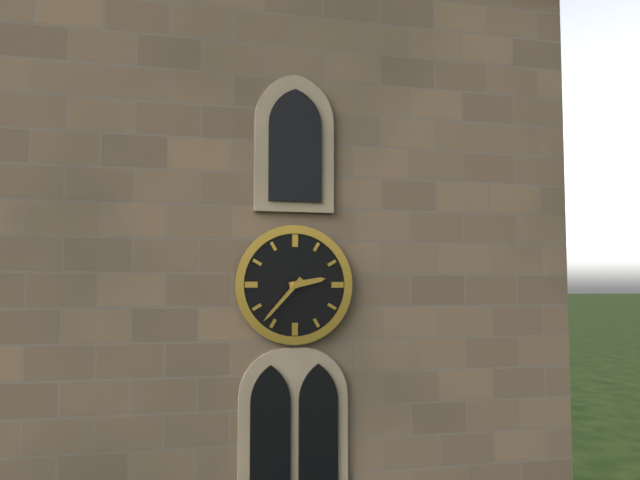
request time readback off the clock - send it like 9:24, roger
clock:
2:37
